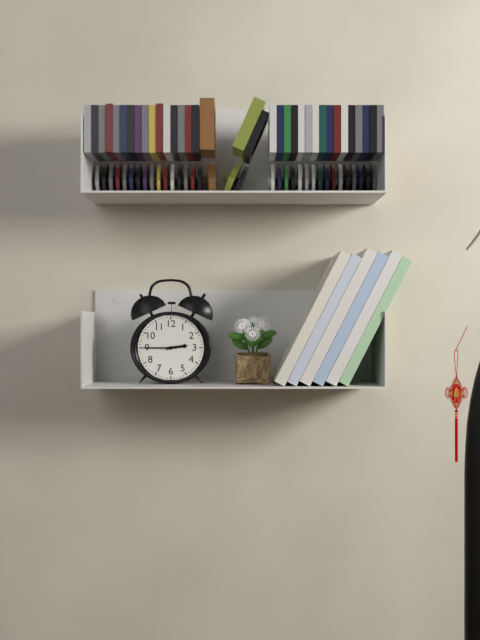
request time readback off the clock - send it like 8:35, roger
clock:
2:45
